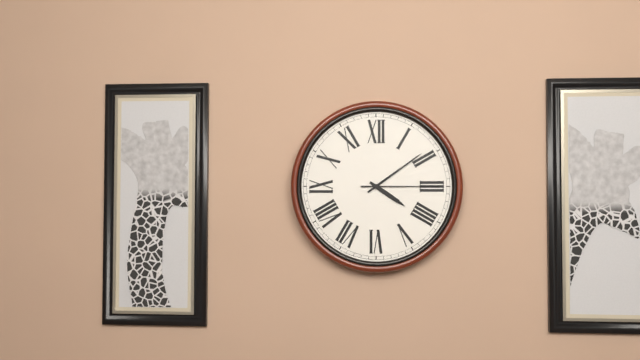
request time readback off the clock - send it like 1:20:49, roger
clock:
4:09:15
